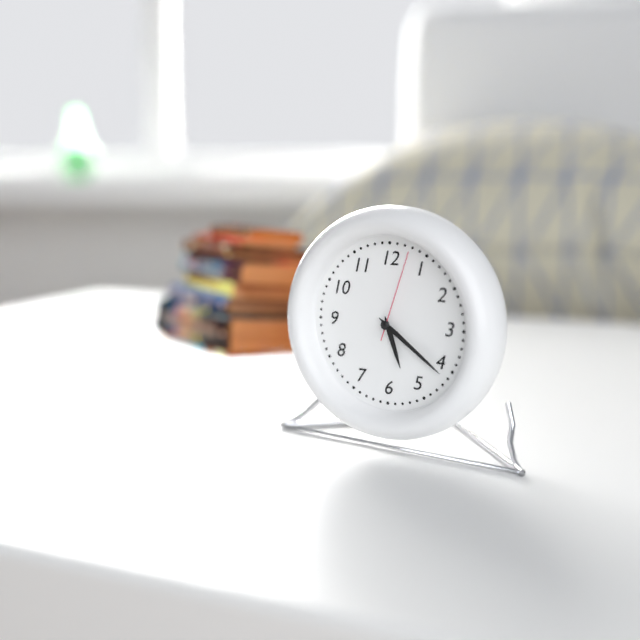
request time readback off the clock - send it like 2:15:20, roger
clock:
5:21:03
